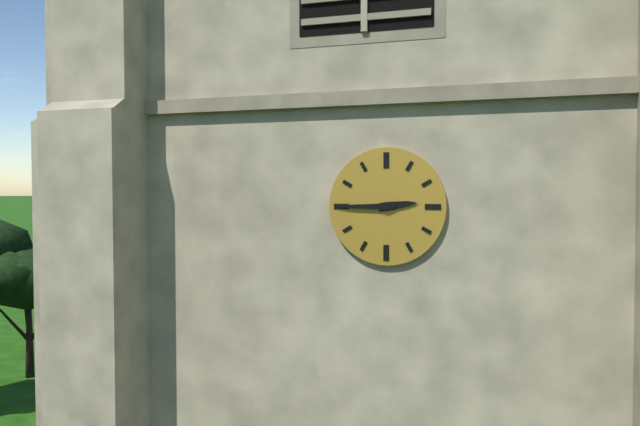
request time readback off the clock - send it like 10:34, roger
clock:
2:45
